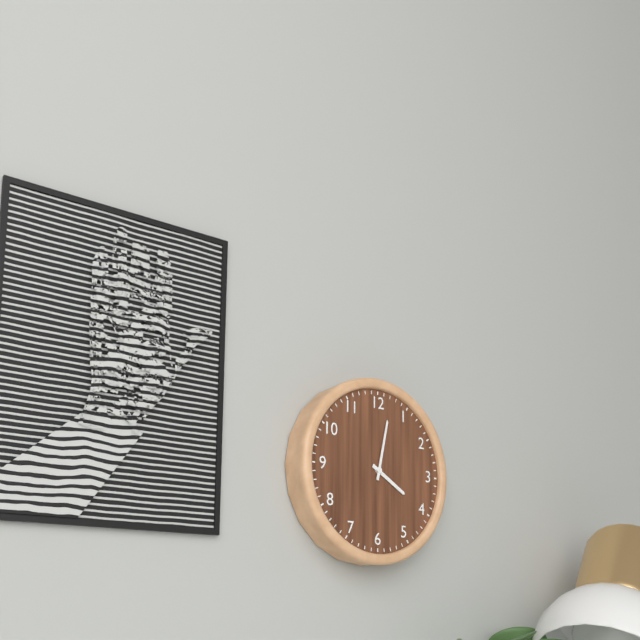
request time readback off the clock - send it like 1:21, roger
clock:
4:02
